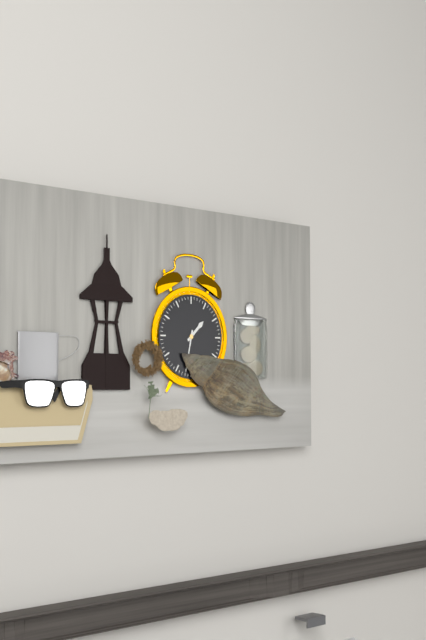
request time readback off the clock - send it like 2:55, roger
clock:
1:32
